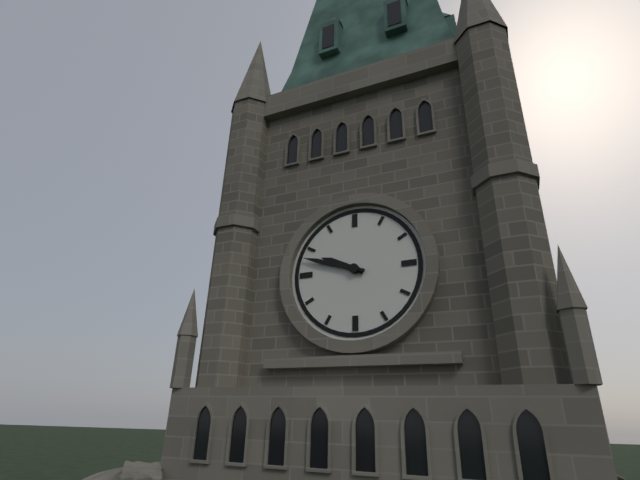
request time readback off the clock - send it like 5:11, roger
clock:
9:48
